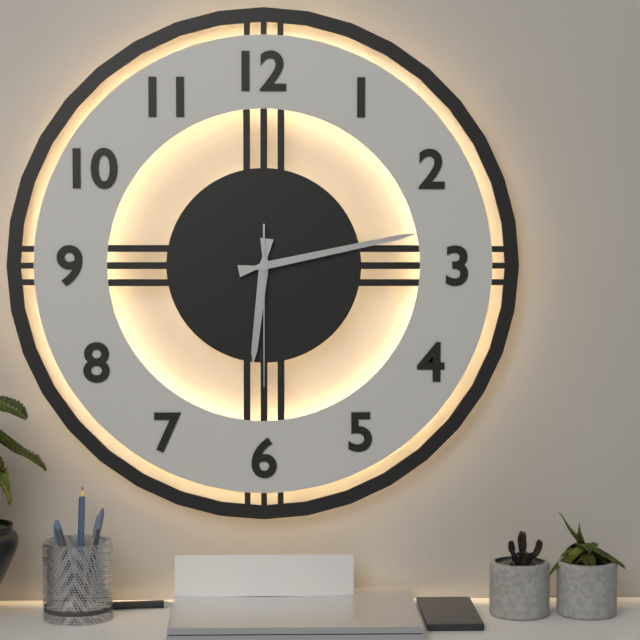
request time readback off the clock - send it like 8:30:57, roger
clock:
6:13:30
